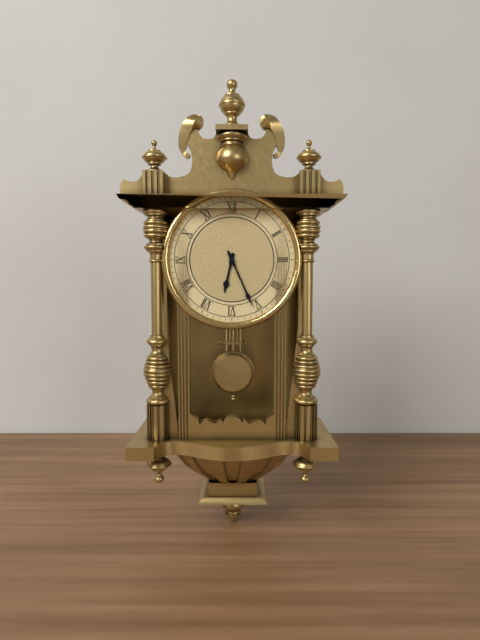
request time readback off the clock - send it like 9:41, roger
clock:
6:26
